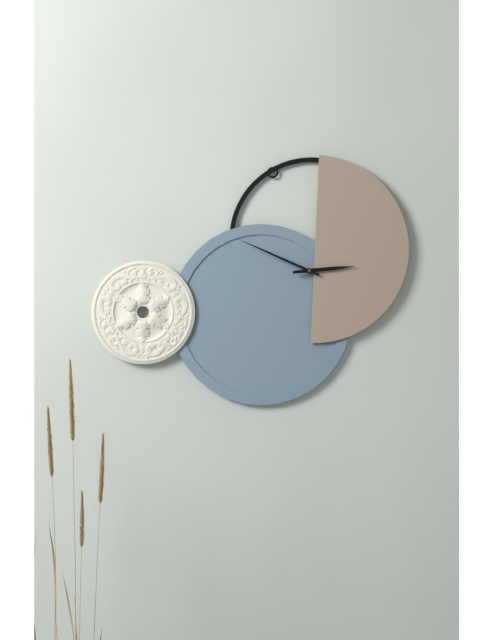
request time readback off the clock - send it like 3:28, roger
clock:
2:49
